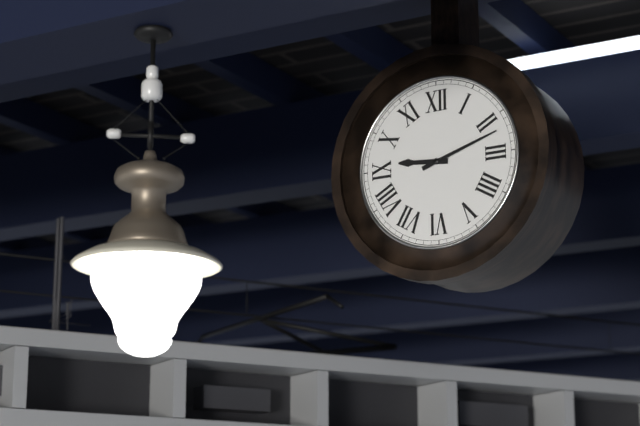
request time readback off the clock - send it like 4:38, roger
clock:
9:12
